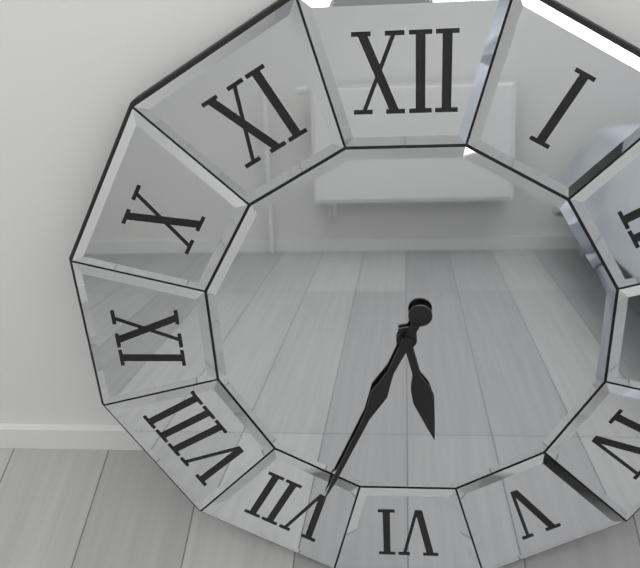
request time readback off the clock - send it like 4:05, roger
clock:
5:34
